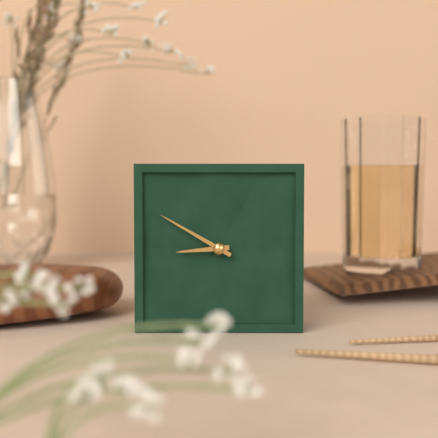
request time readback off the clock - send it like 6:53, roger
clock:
8:50
